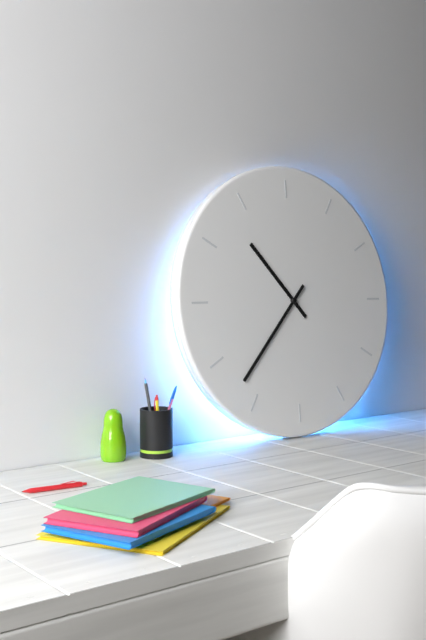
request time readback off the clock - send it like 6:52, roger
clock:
10:37
